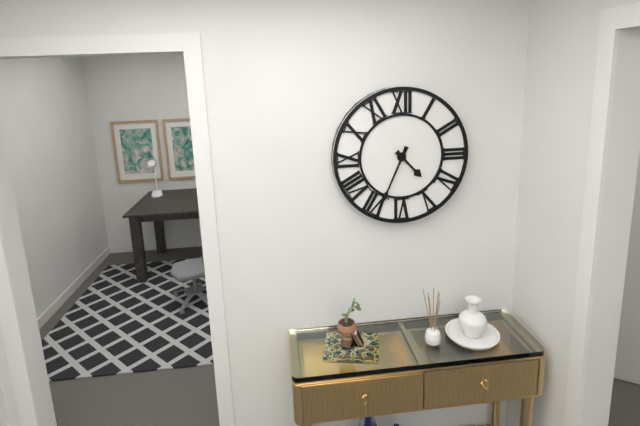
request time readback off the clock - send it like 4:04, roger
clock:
4:34
